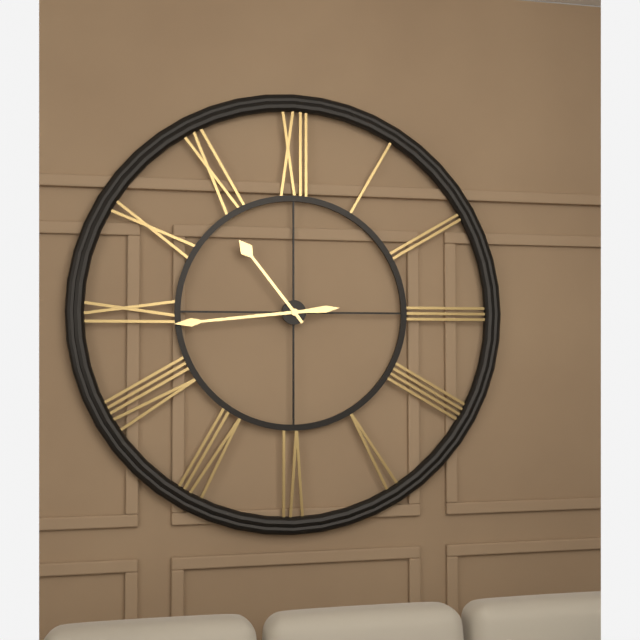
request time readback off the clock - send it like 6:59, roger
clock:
10:44
